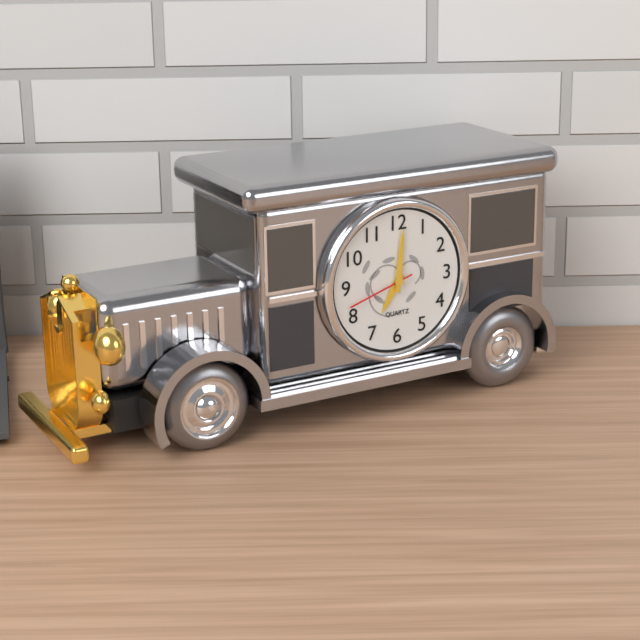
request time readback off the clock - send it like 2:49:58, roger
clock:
7:01:42
